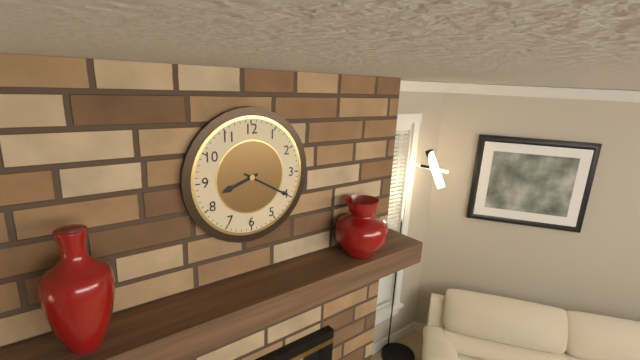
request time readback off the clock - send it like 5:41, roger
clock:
8:20
